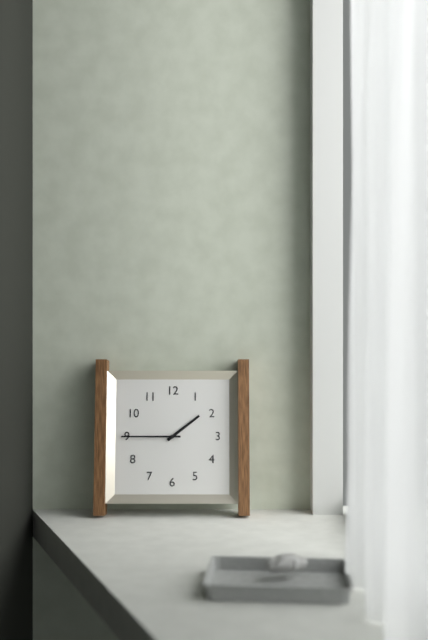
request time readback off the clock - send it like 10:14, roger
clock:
1:45
